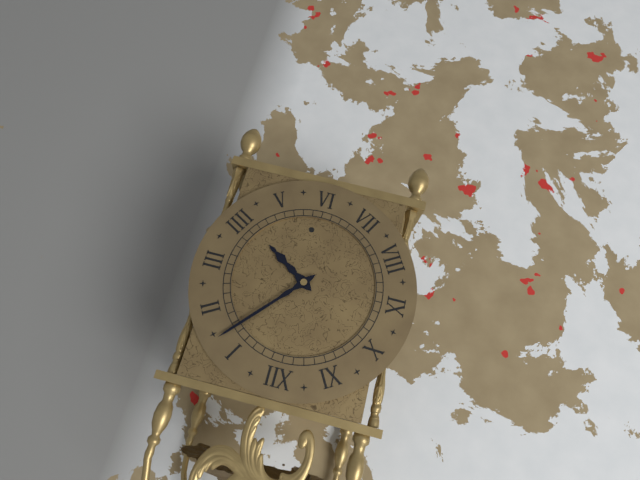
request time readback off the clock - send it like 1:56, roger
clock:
4:07
